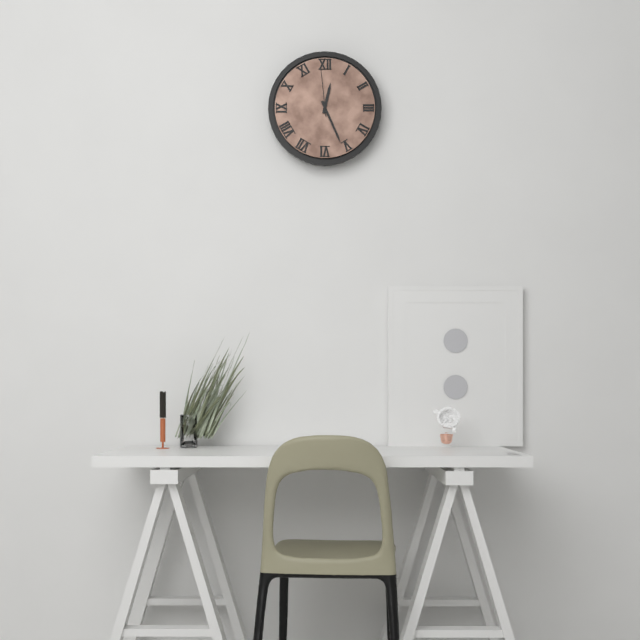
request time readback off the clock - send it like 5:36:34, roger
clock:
12:26:59
